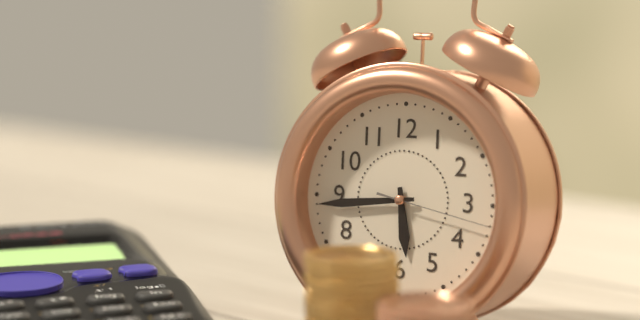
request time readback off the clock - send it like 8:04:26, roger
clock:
5:44:17
